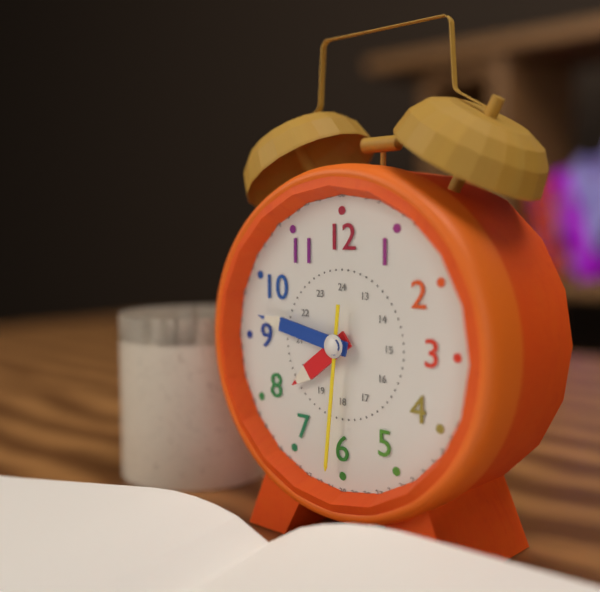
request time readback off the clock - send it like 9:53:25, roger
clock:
7:47:31
